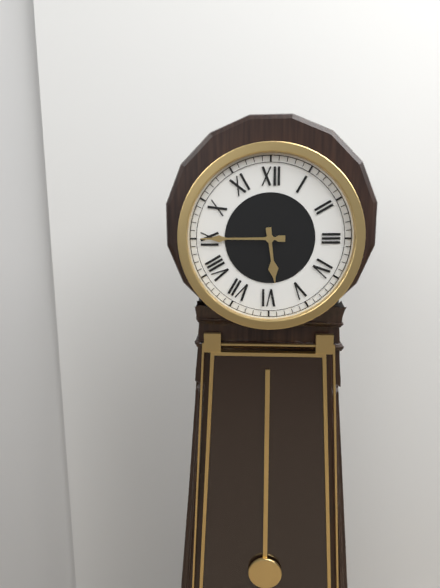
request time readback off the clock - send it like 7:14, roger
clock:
5:45
